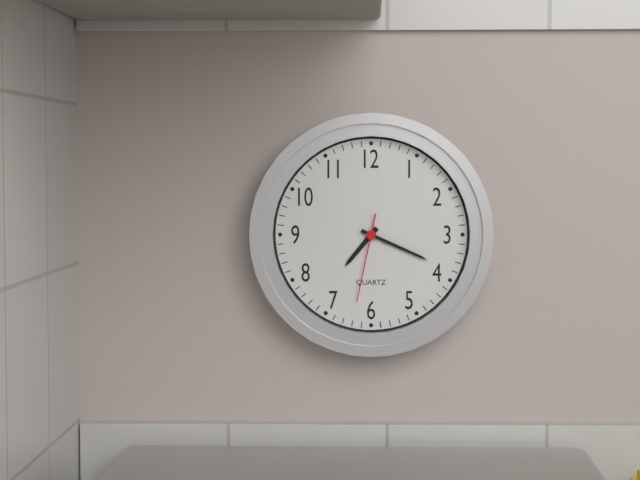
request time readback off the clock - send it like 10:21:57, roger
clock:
7:19:32
